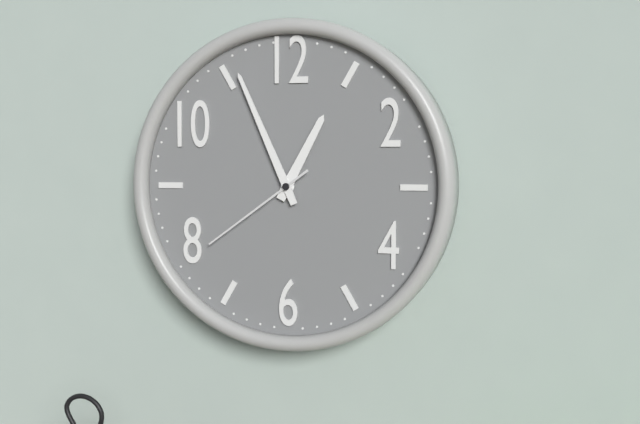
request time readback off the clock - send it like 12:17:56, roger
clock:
12:56:39
